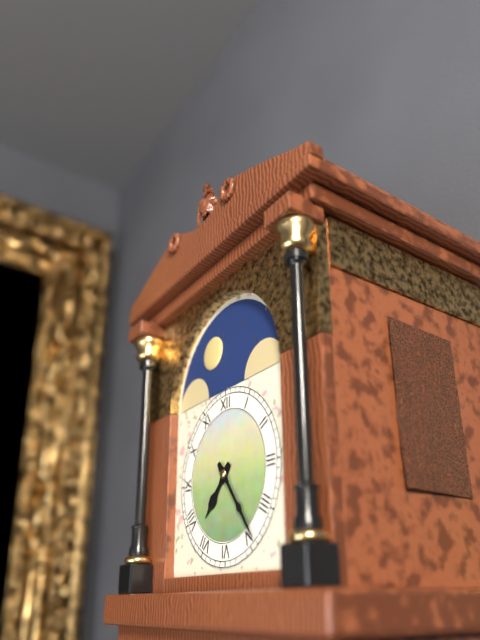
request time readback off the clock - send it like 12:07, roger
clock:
7:24
